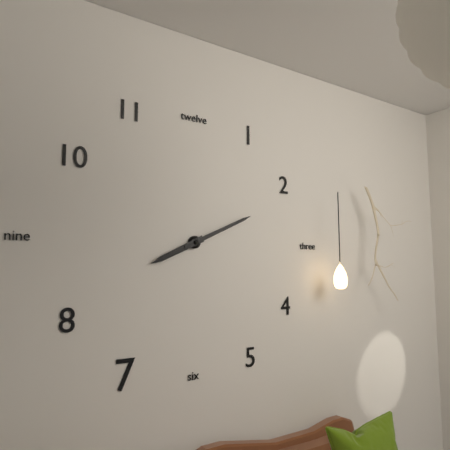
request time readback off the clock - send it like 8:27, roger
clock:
8:11
